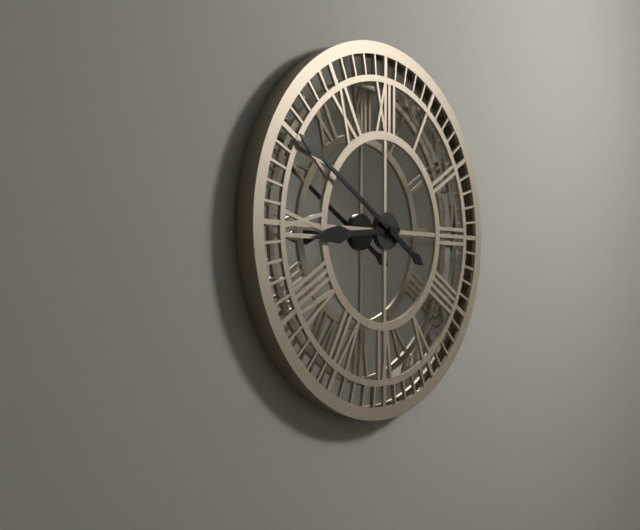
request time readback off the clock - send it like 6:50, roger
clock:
8:50
